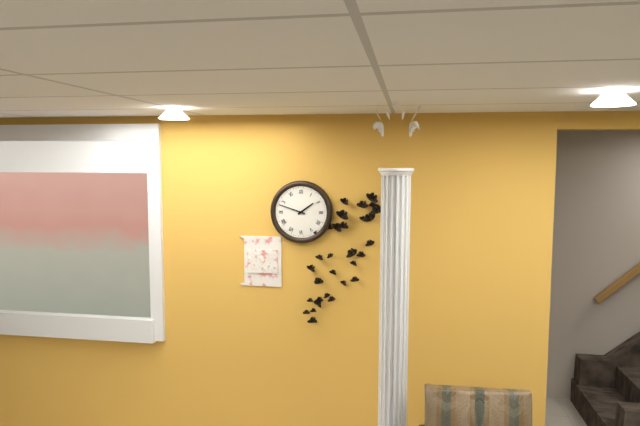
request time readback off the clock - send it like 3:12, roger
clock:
1:48
